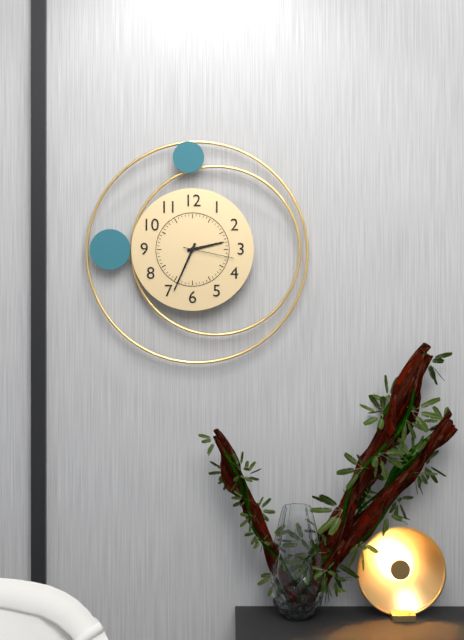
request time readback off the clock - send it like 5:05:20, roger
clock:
2:34:17
